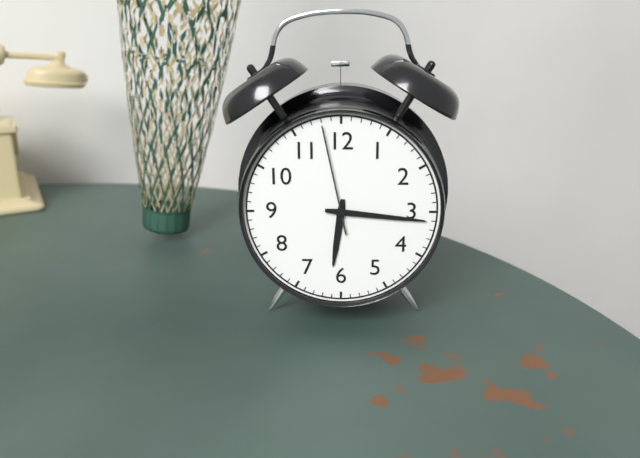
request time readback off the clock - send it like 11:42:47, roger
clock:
6:16:58
